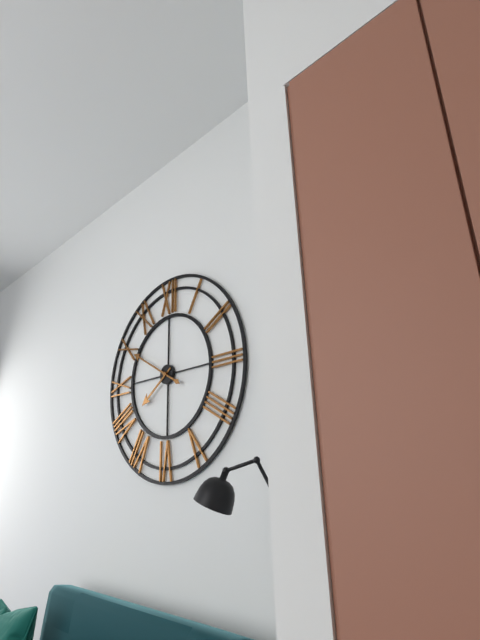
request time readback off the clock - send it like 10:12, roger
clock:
7:50
